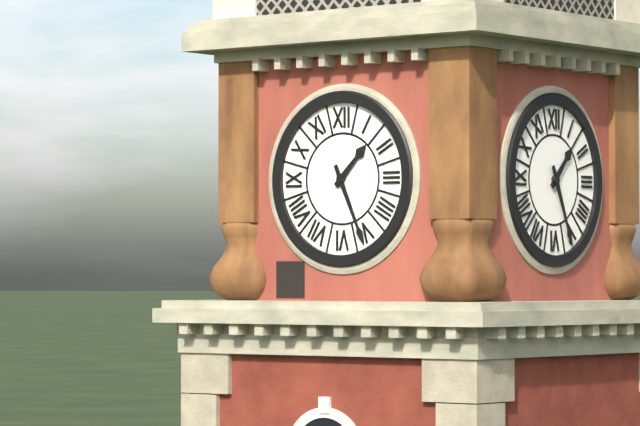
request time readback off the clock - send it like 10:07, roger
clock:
1:26
